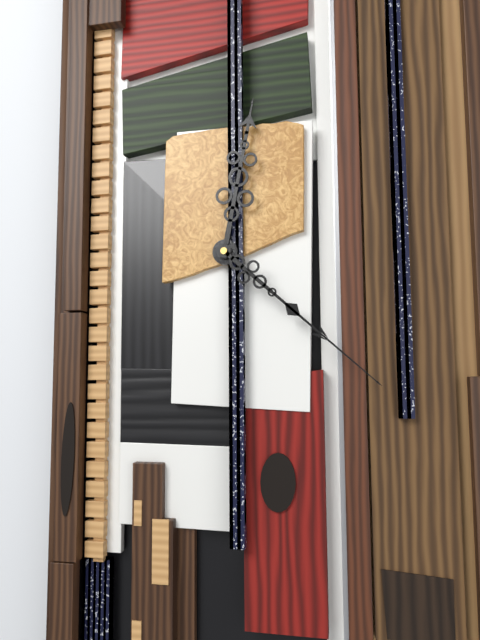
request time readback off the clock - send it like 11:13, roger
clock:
12:22
